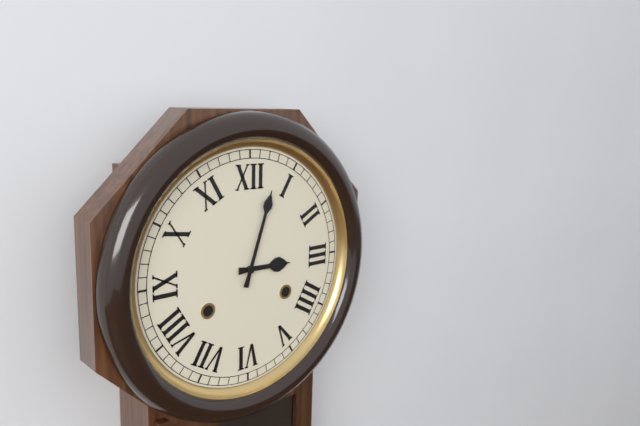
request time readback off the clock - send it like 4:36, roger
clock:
3:03
